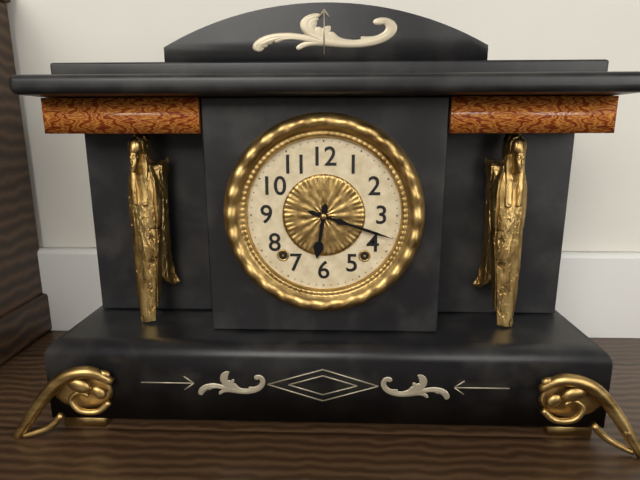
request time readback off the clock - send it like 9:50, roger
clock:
6:18
